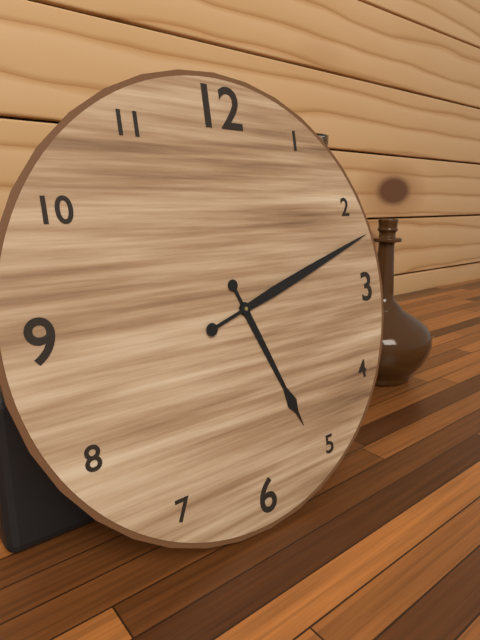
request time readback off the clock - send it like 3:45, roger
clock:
5:12
